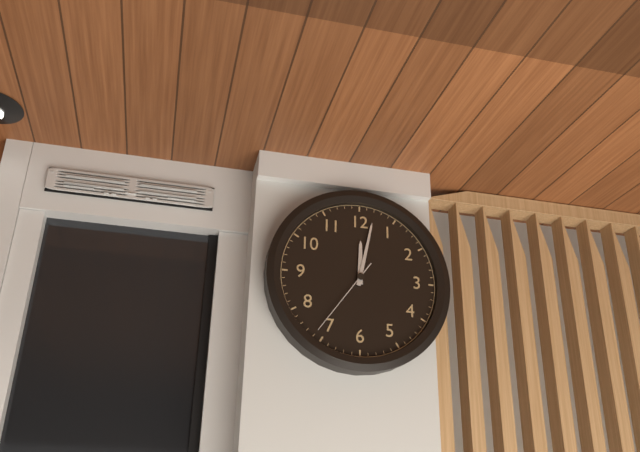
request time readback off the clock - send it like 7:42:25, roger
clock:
12:02:36
